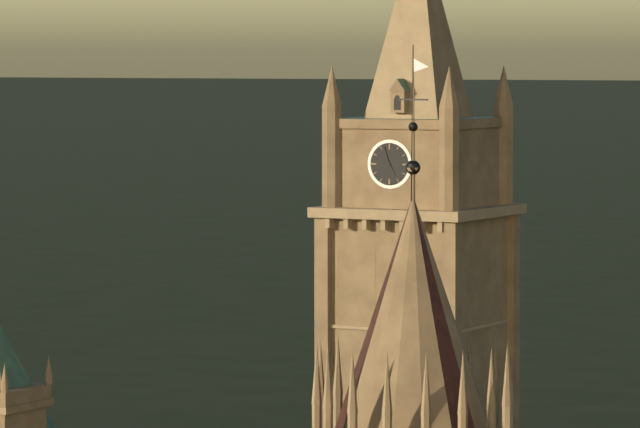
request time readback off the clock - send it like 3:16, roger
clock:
4:57
